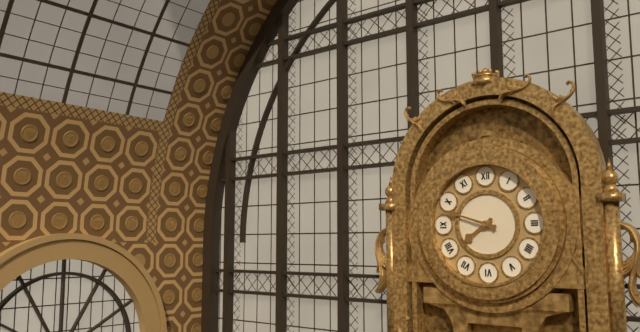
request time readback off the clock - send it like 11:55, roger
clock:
7:48
